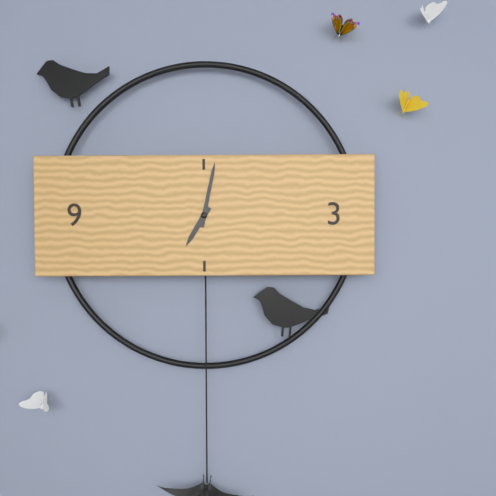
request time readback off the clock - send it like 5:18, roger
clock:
7:02
